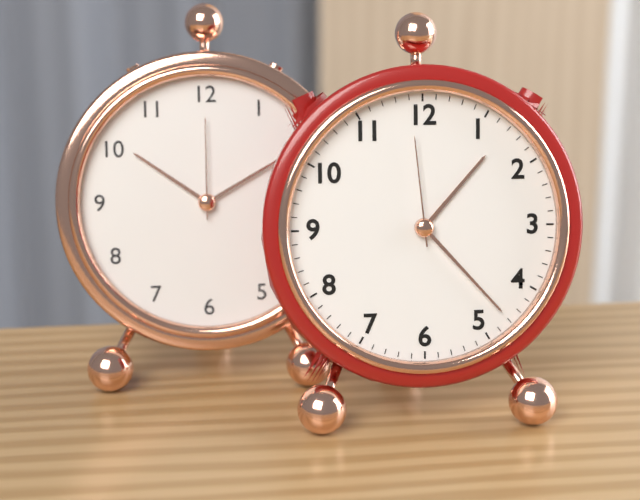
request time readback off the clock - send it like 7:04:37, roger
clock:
1:23:59
